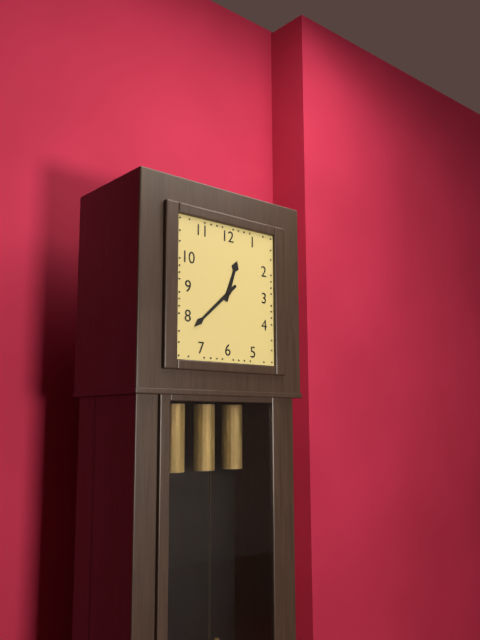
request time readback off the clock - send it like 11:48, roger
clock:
12:38
